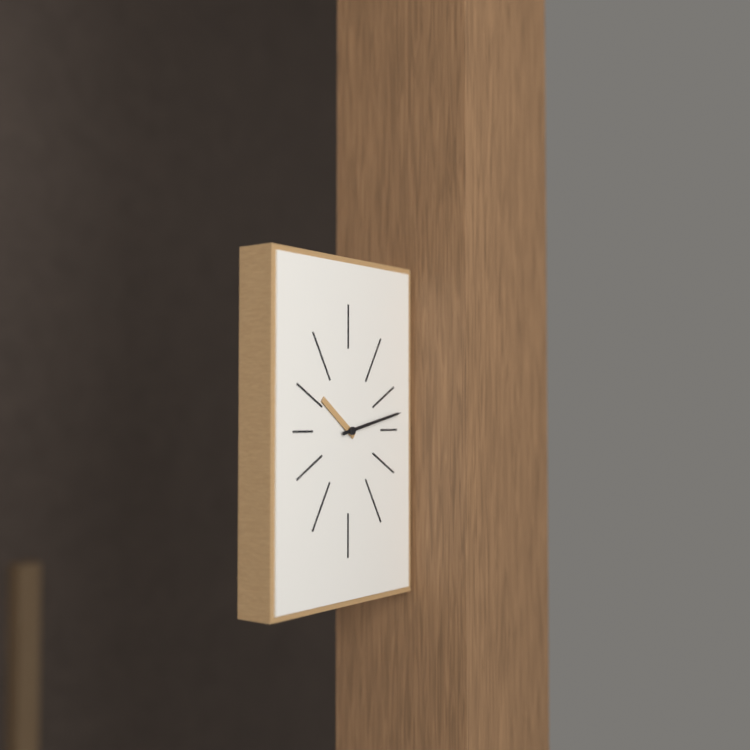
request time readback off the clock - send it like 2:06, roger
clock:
10:13
